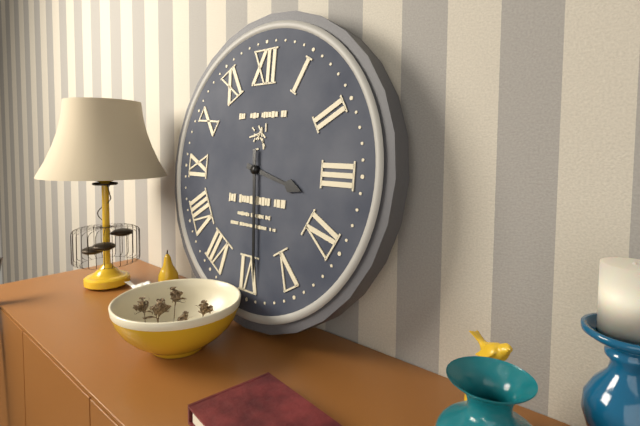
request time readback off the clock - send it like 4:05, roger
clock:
3:29
